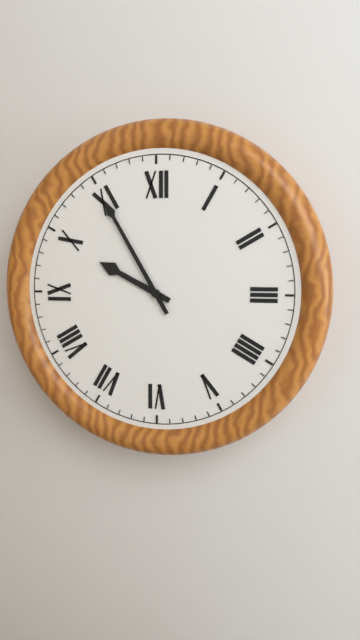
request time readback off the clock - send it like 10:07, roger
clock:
9:55
